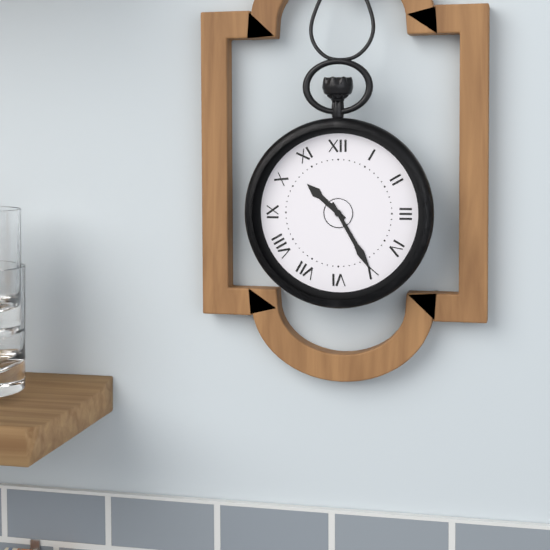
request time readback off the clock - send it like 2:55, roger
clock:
10:25
